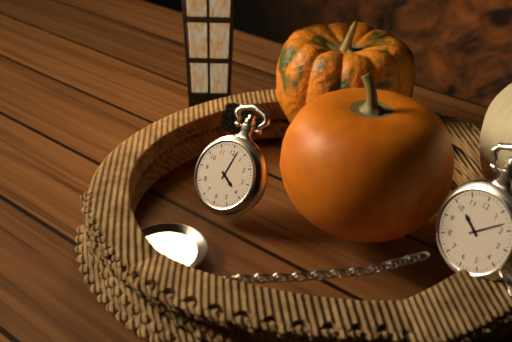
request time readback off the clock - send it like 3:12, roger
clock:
4:02
